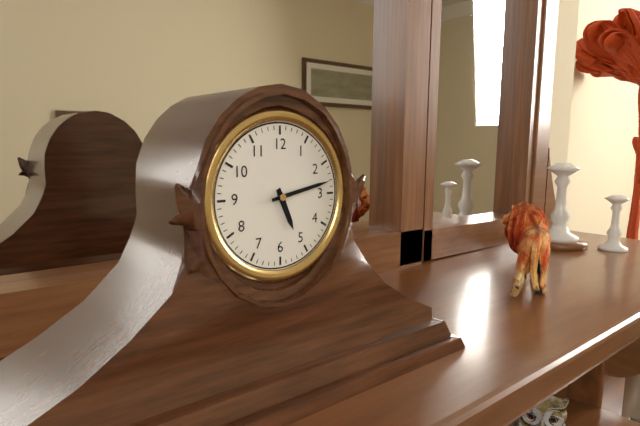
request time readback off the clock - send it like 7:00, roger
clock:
5:13
